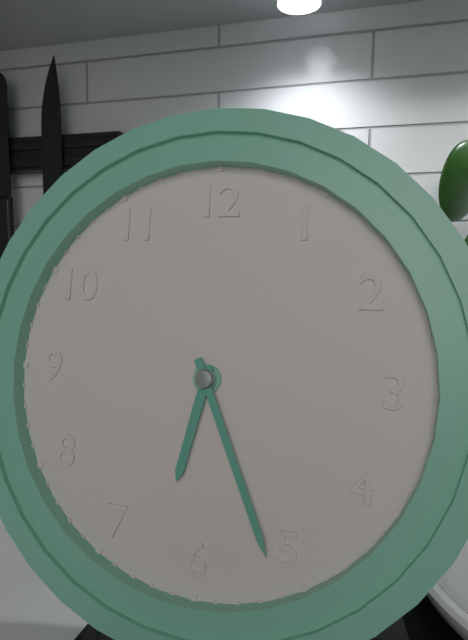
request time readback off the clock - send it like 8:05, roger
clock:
6:26
